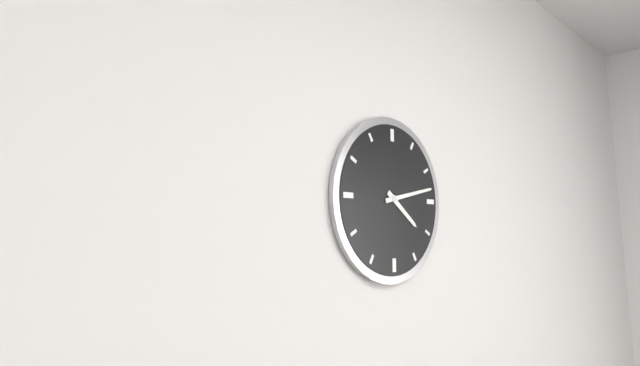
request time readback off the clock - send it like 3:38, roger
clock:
4:13
